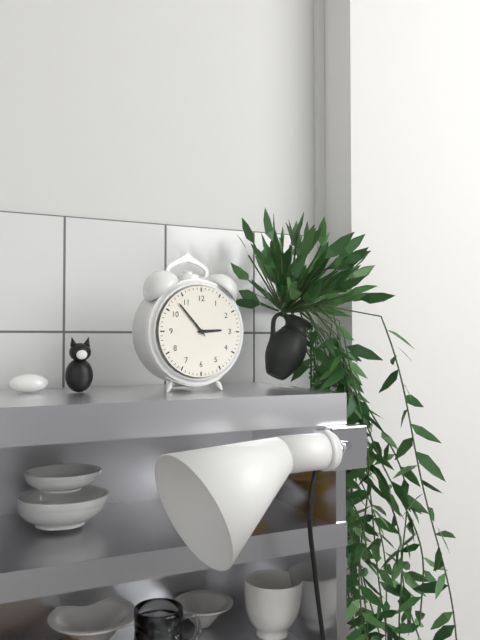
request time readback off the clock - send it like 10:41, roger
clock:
2:53
